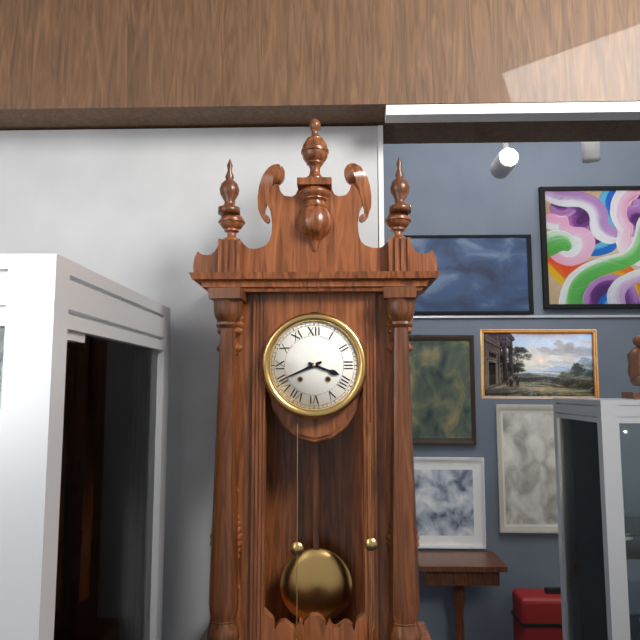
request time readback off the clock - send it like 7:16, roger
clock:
3:41
